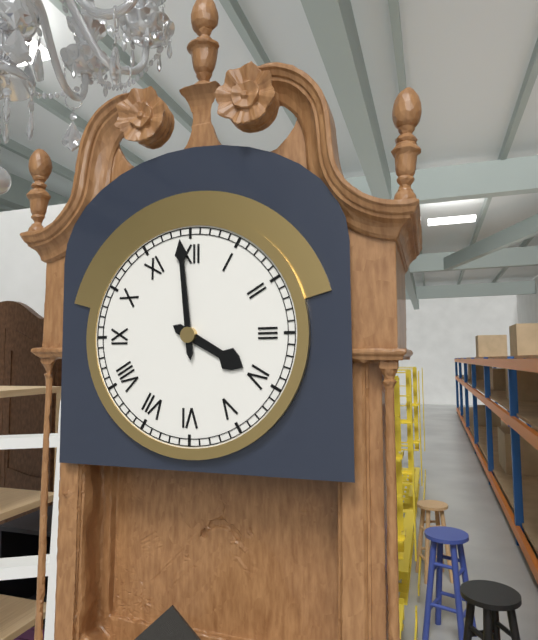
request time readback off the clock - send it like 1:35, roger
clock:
3:59
